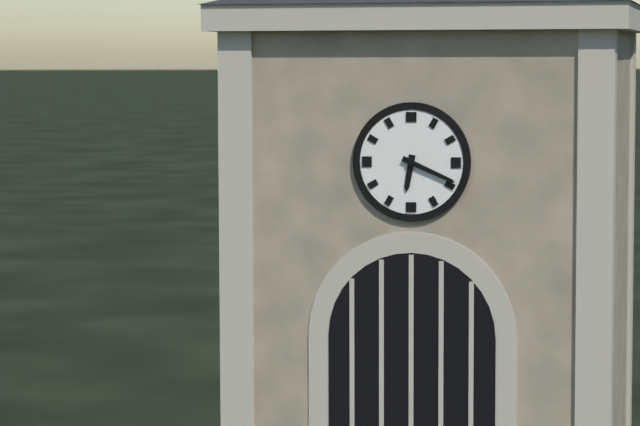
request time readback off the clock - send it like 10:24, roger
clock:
6:19
